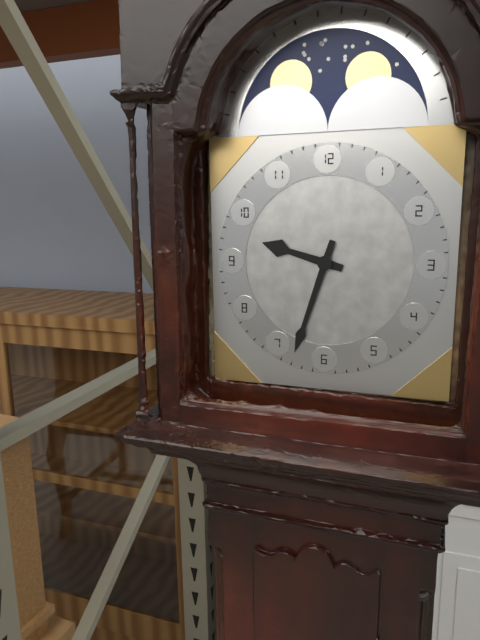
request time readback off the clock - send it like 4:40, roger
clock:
9:33
